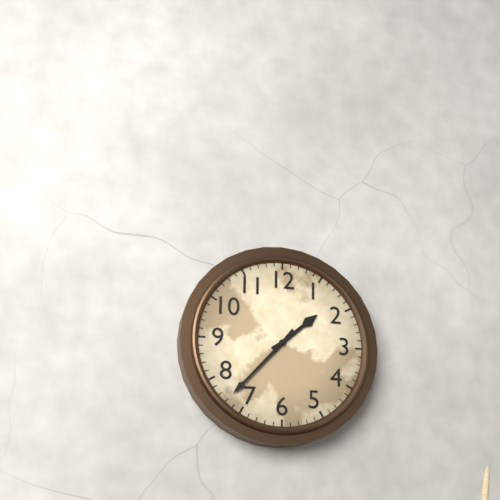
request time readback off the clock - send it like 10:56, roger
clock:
1:37
